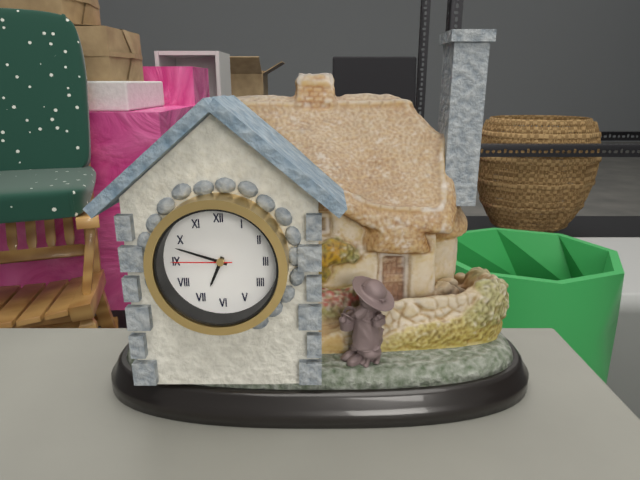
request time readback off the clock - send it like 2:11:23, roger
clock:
6:48:45
